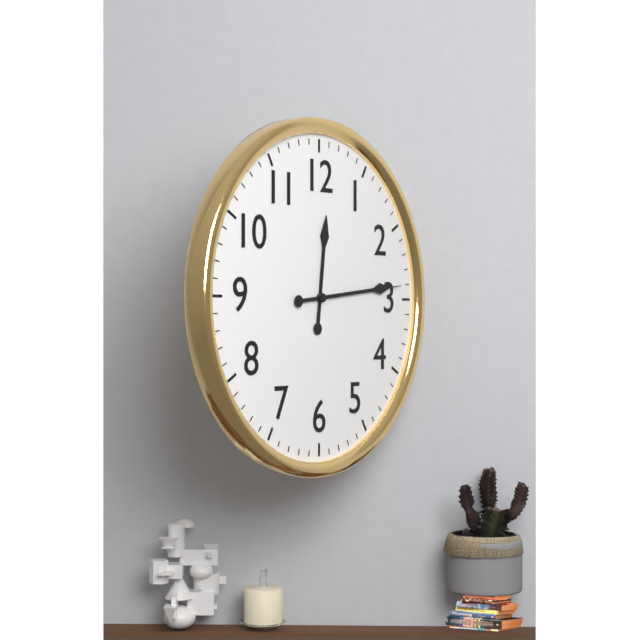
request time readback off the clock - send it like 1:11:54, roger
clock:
12:14:14
